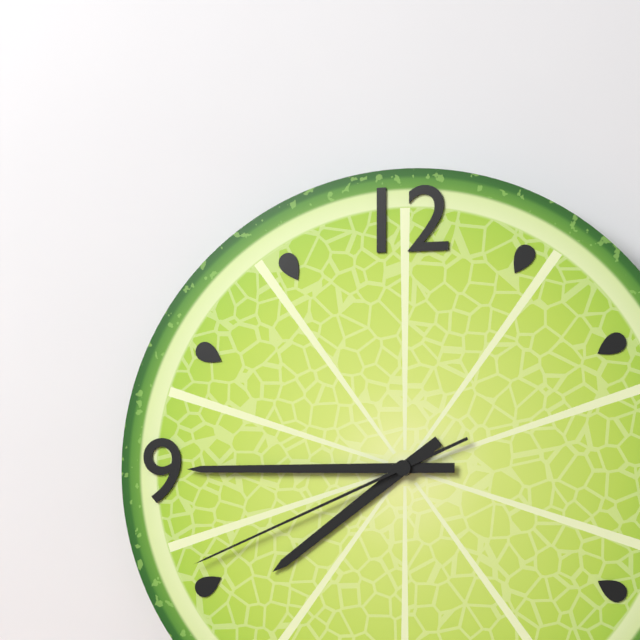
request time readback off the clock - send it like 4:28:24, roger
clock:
7:45:41
